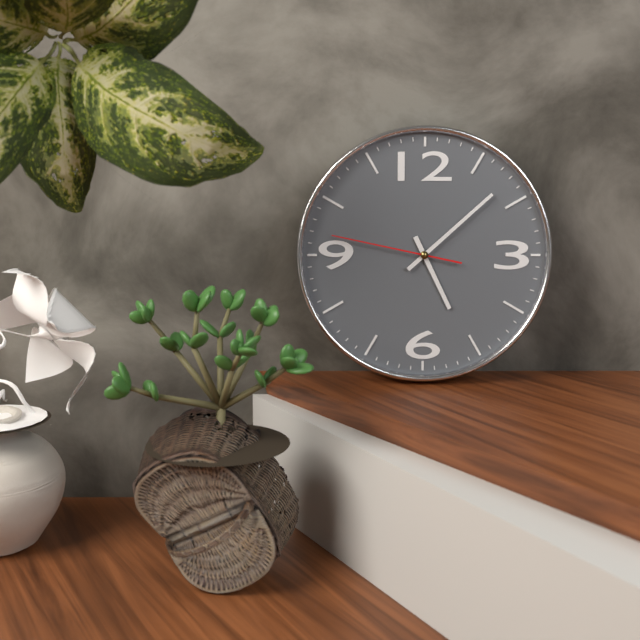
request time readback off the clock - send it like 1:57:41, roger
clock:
5:08:47
